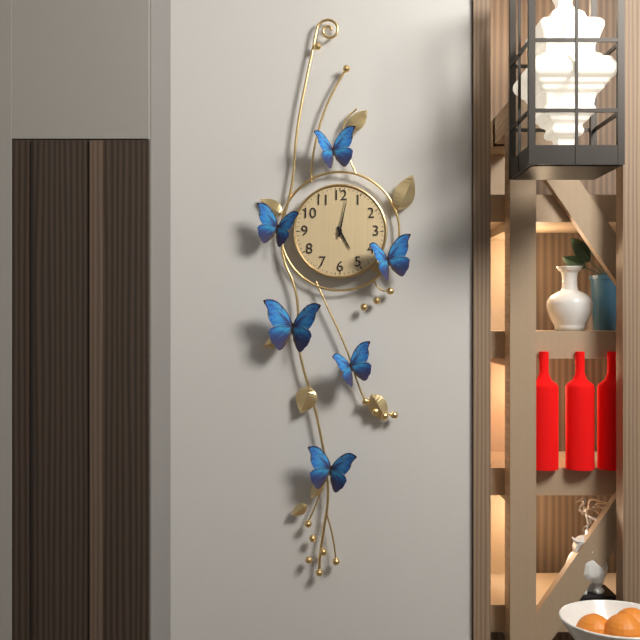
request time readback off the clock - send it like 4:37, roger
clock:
5:02
